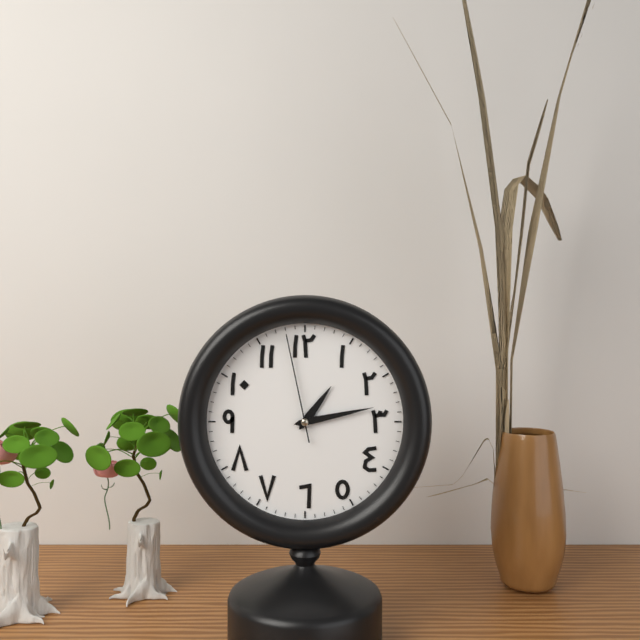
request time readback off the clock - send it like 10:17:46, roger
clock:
1:13:58
